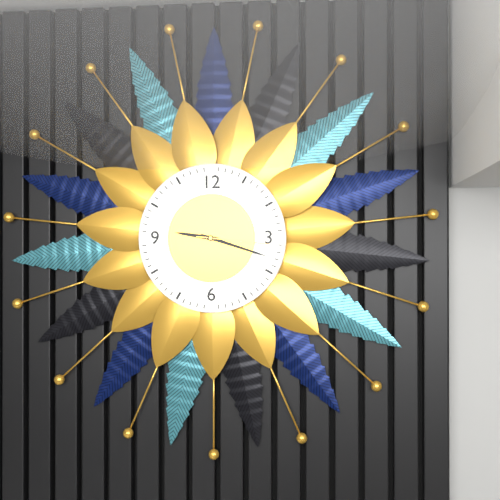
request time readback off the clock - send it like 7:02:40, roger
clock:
9:18:16
